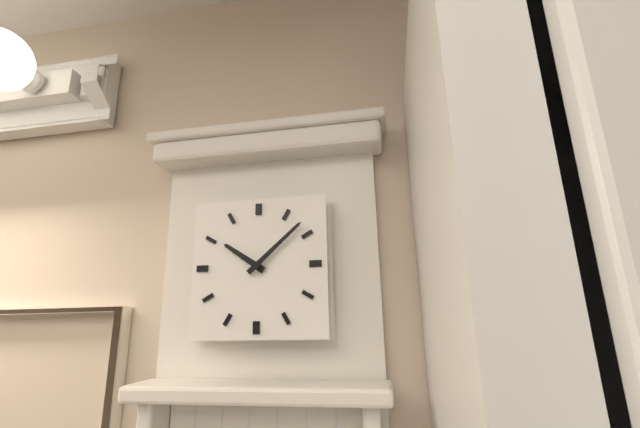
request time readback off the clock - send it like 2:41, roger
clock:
10:08
